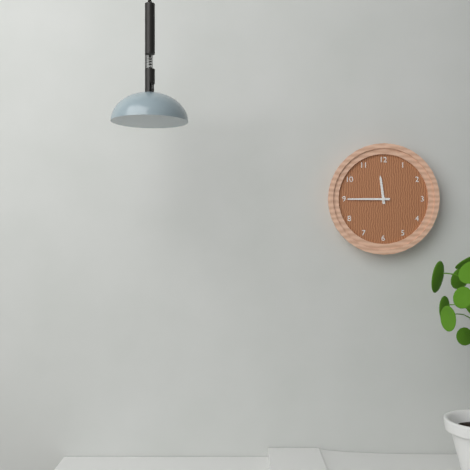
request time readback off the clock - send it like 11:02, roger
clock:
11:45
